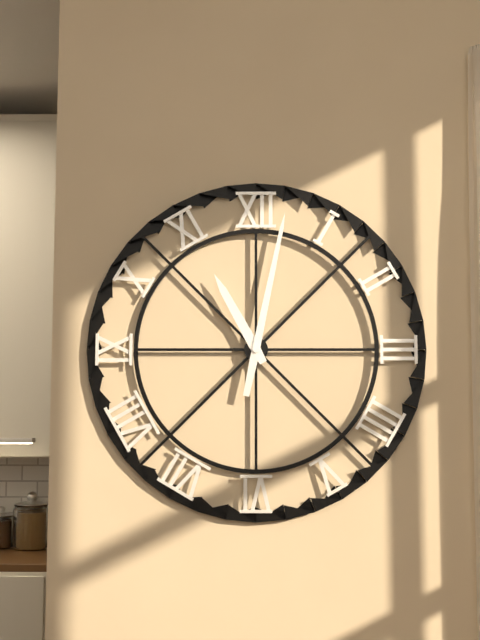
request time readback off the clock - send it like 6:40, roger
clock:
11:02
